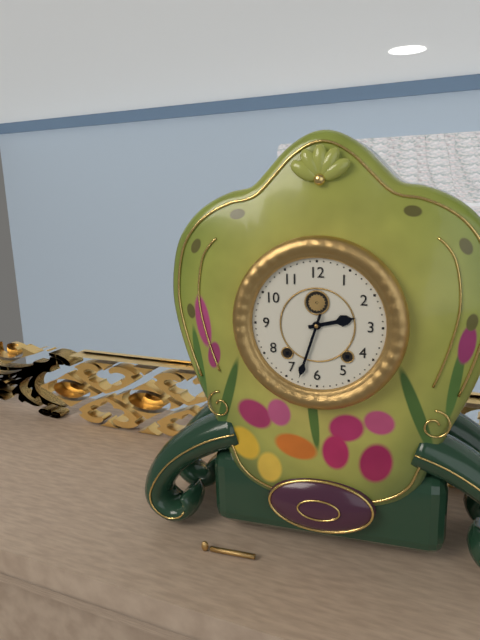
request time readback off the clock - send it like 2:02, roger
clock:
2:33
